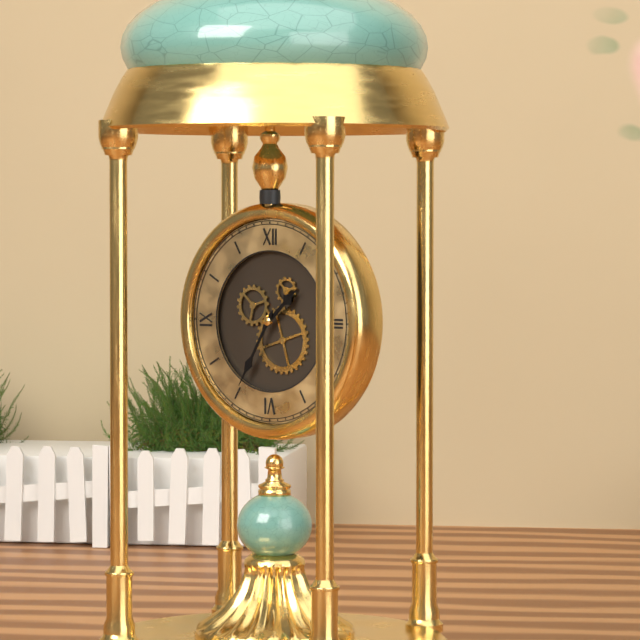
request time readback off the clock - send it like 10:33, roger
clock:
1:35
